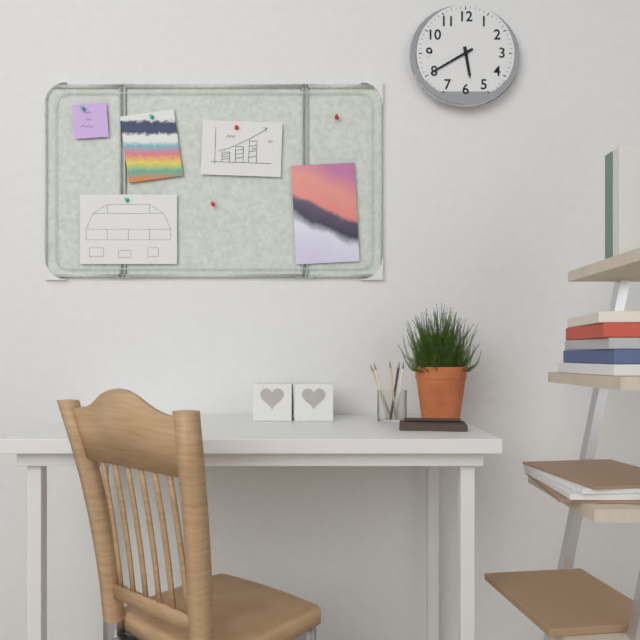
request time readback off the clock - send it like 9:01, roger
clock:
5:40
